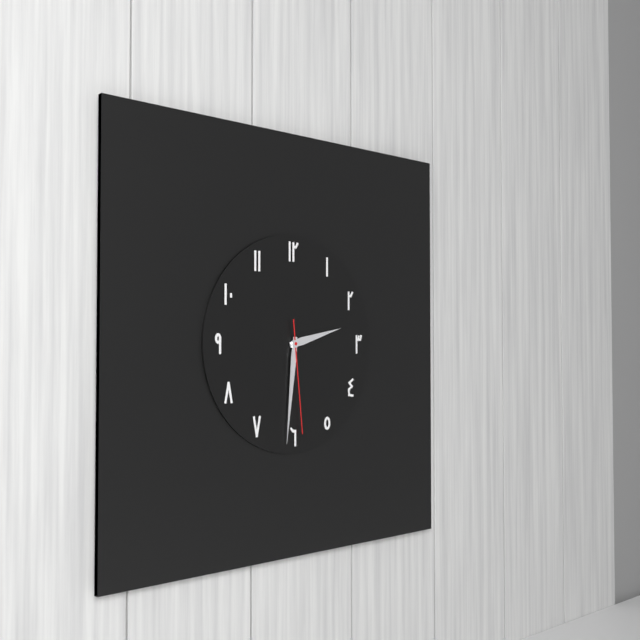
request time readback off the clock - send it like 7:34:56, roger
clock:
2:31:29
